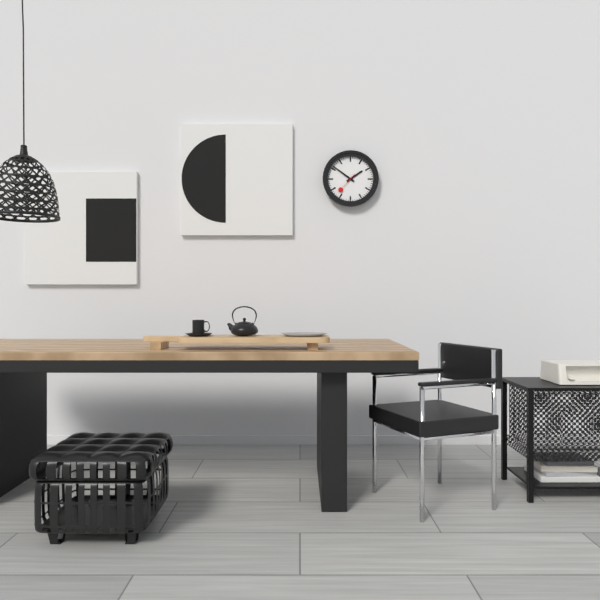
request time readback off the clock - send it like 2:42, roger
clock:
1:51
